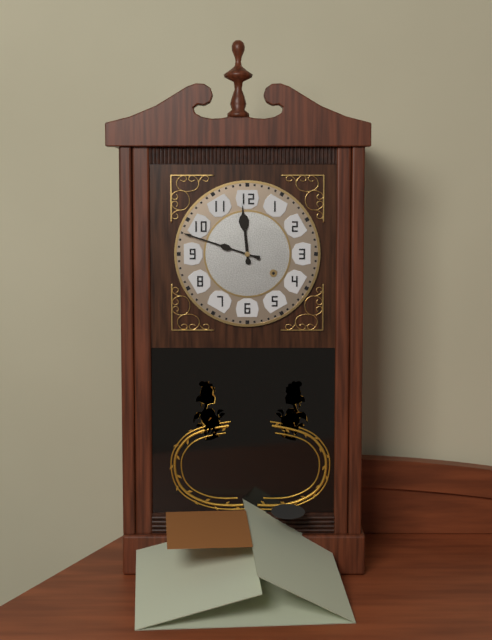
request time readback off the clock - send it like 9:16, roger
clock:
11:48
